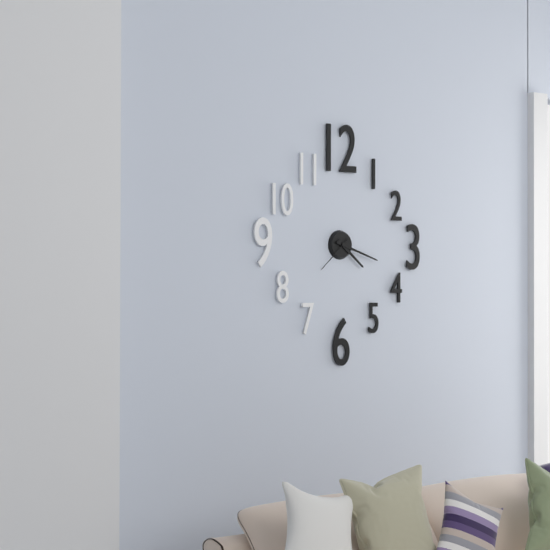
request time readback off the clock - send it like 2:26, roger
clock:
4:18
